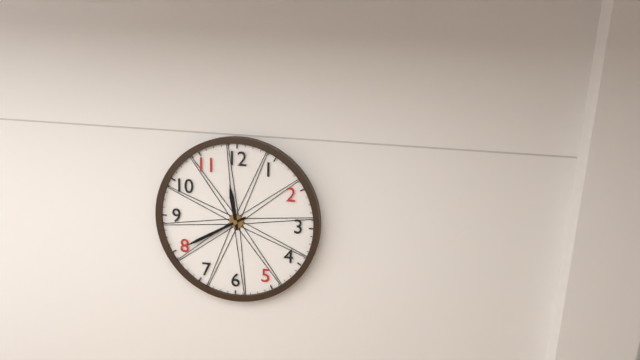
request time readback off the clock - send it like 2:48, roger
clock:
11:40
